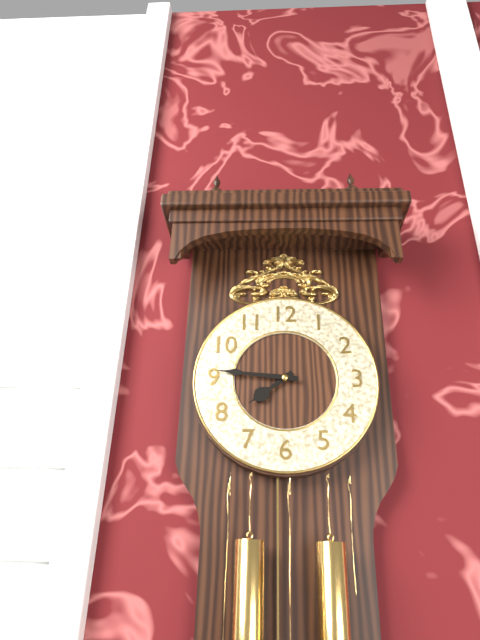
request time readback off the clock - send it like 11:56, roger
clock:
7:46
